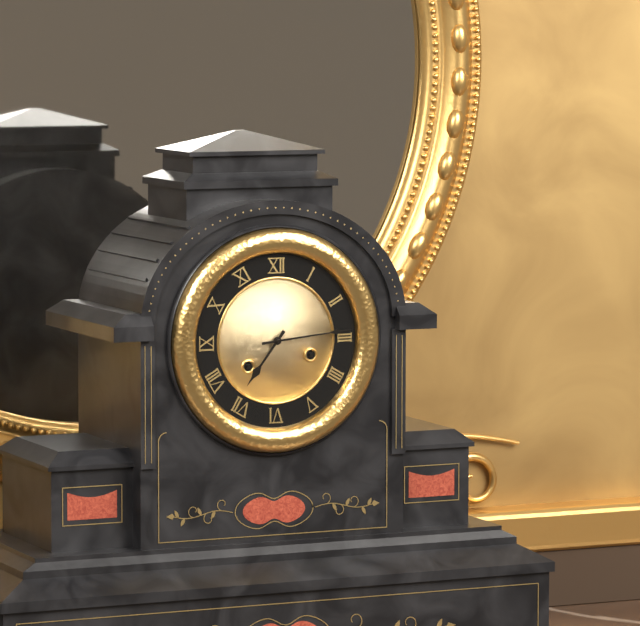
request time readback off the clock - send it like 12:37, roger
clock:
7:14
